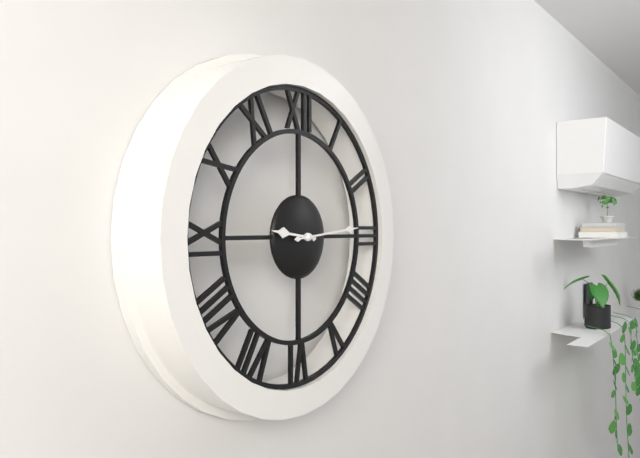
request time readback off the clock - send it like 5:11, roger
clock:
9:14
